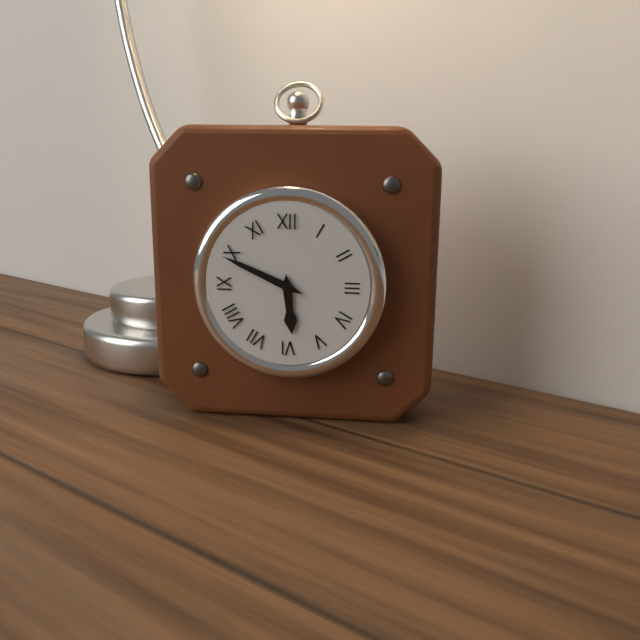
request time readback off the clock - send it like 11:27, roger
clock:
5:49
